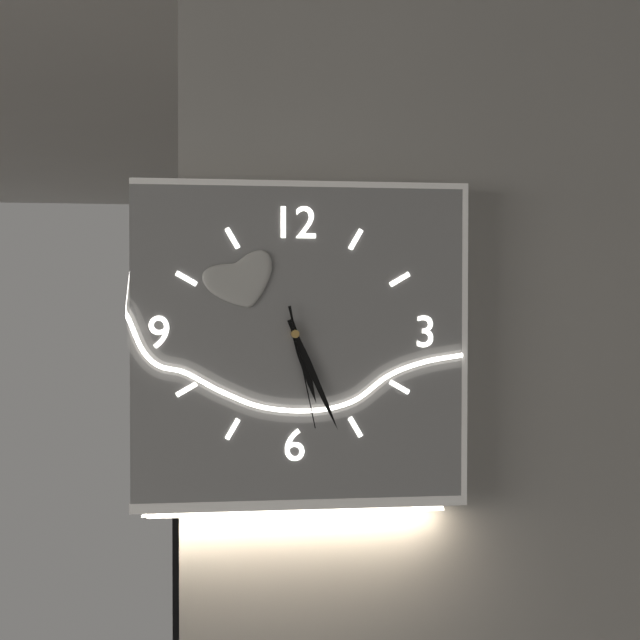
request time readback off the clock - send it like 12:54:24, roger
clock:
5:26:28
